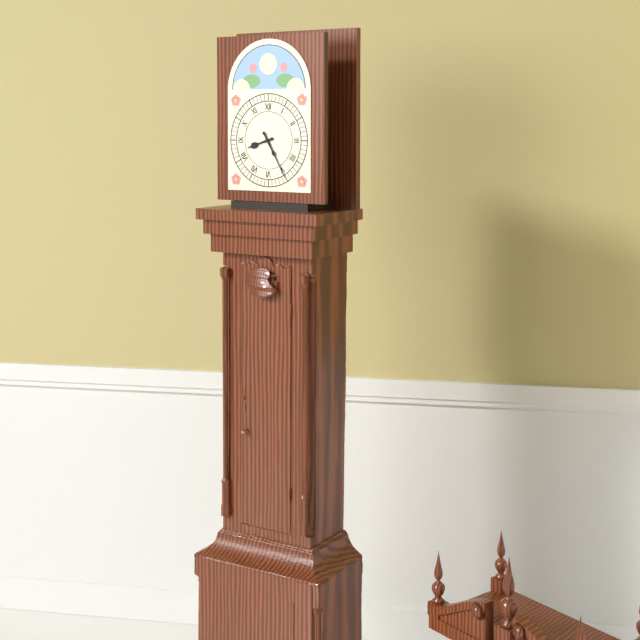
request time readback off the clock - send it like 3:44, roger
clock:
8:25
